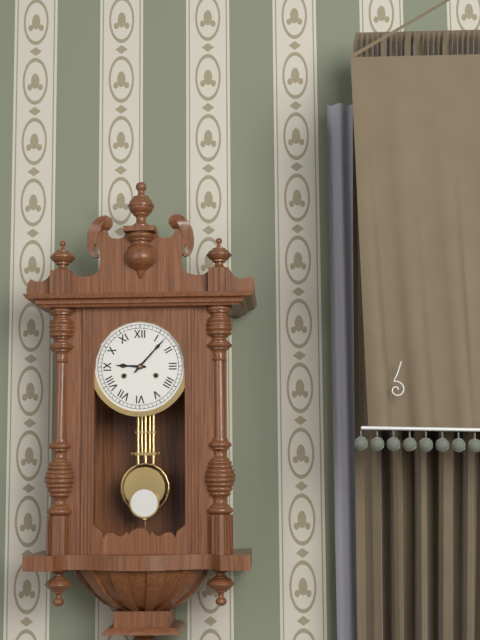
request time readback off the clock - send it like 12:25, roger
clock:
9:07
